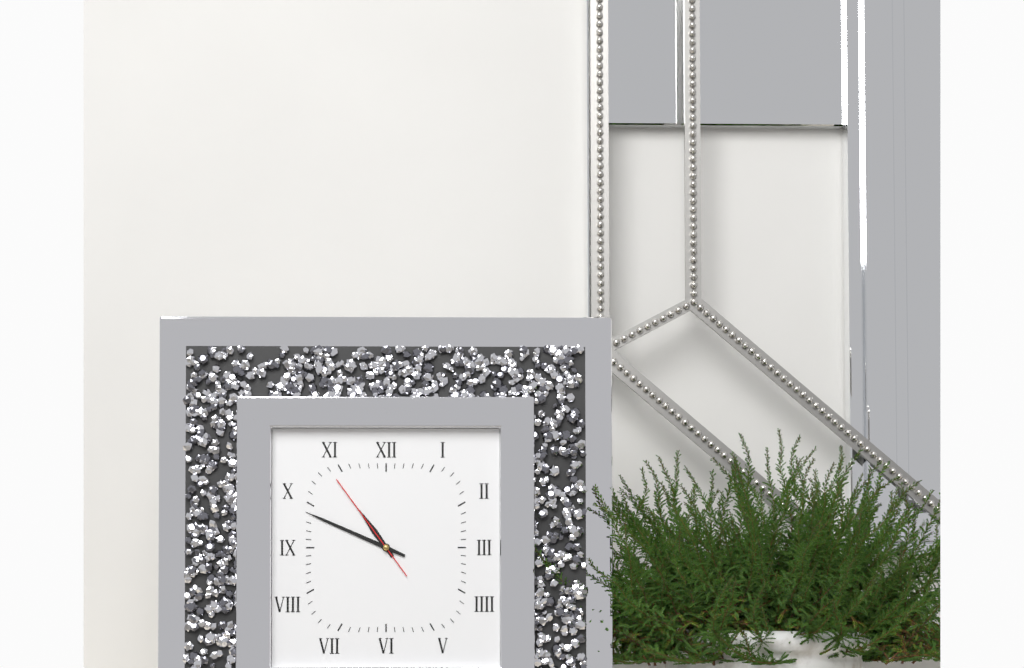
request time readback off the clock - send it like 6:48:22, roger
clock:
10:49:54
